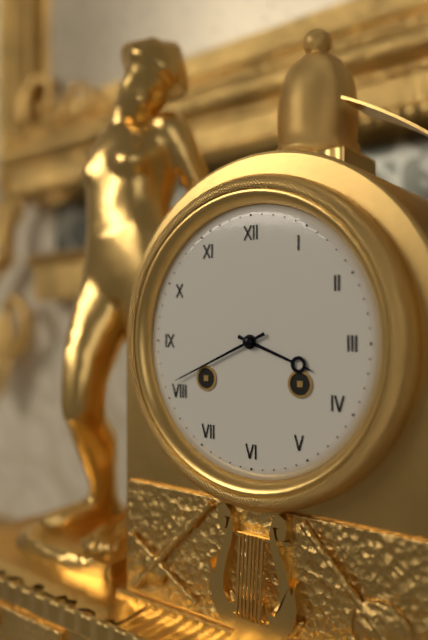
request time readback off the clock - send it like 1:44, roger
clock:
3:41
